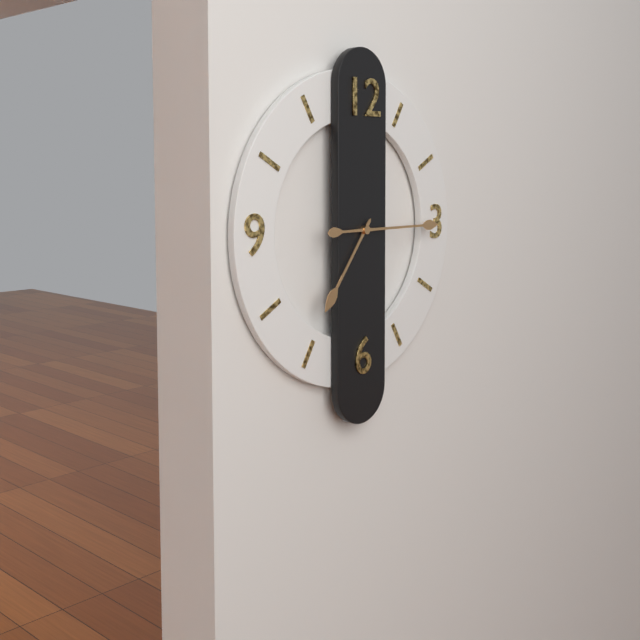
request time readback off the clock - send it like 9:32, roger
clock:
7:15
